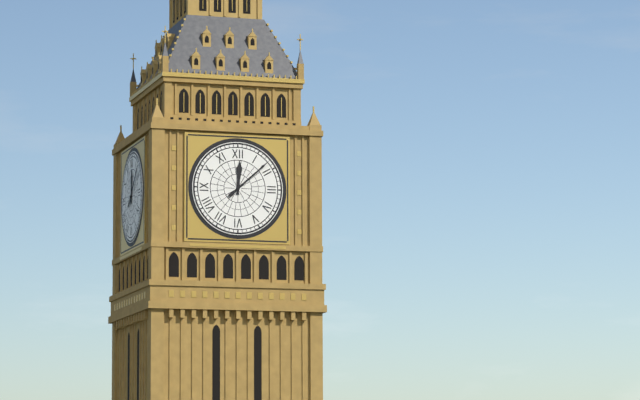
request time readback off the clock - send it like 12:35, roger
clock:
12:08
